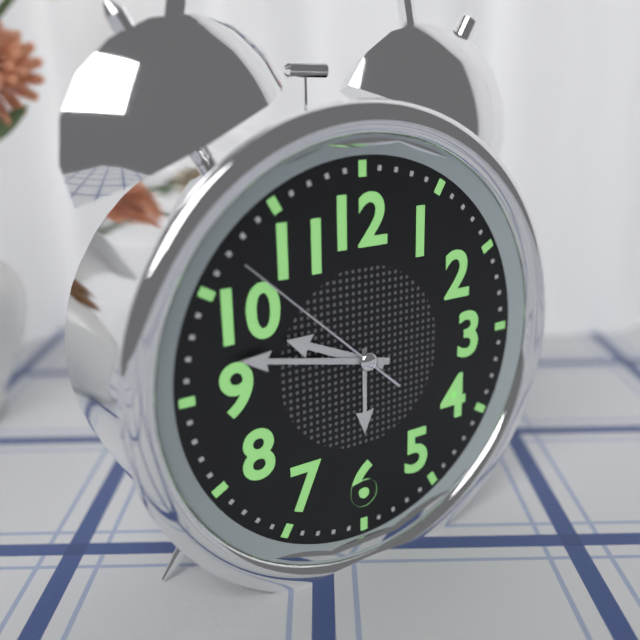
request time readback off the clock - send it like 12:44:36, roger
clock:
9:47:52
